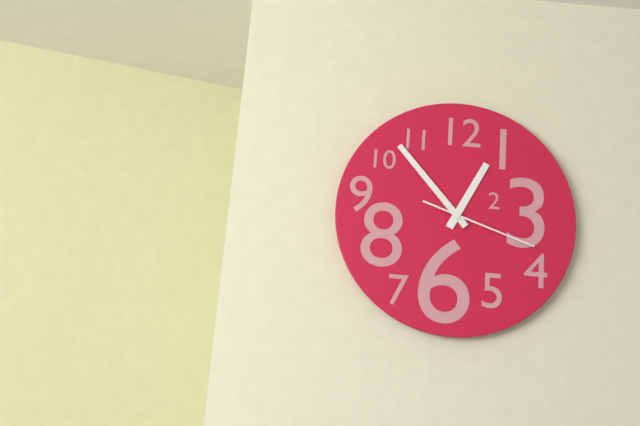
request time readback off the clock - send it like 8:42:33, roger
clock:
12:53:18
